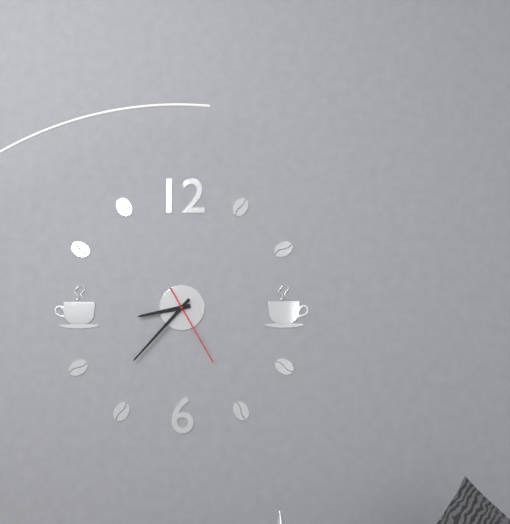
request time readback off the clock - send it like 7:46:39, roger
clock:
8:37:25
